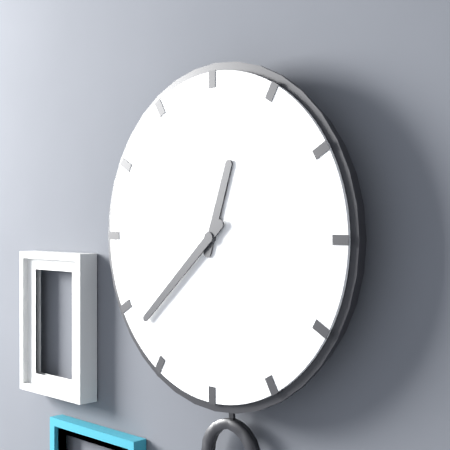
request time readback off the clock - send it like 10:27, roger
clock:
12:38
